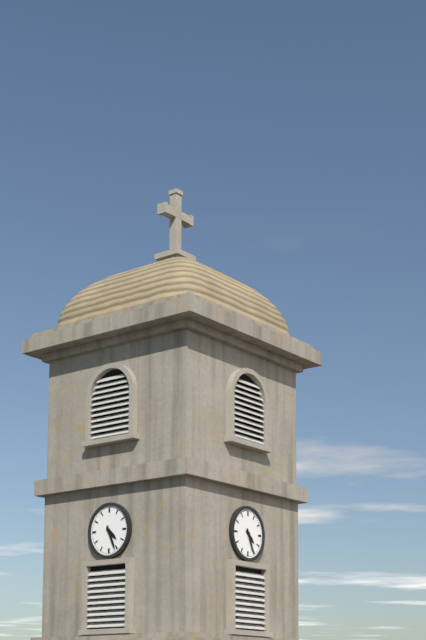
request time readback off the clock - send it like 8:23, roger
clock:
4:26
